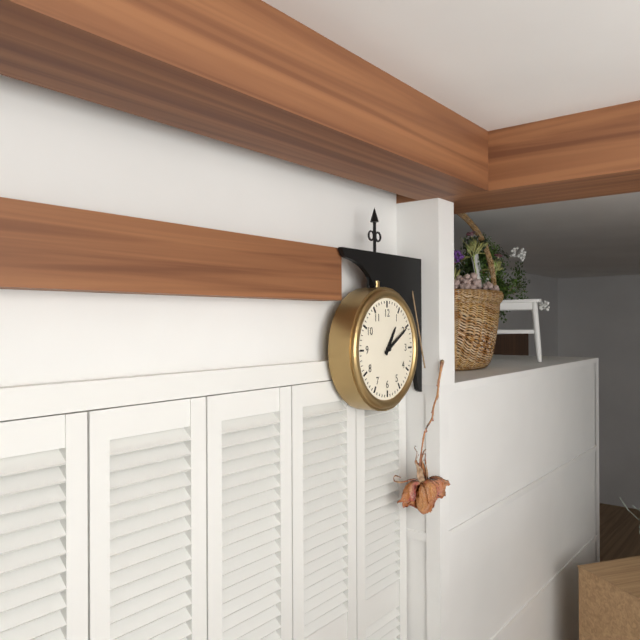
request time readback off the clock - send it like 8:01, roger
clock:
1:10
